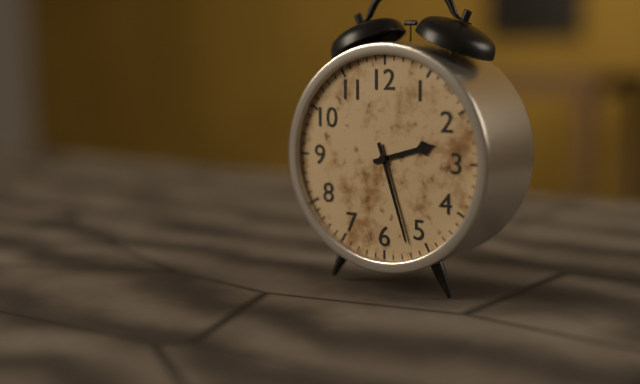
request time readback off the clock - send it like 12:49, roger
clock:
2:27
